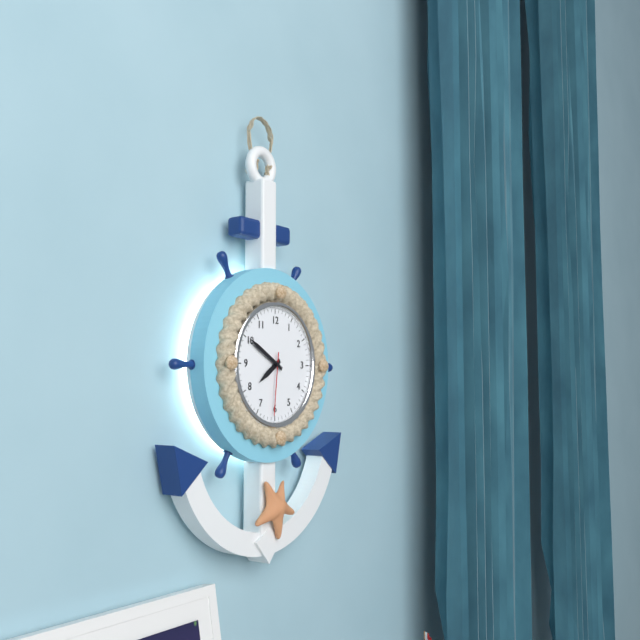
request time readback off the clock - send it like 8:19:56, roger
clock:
7:50:31
